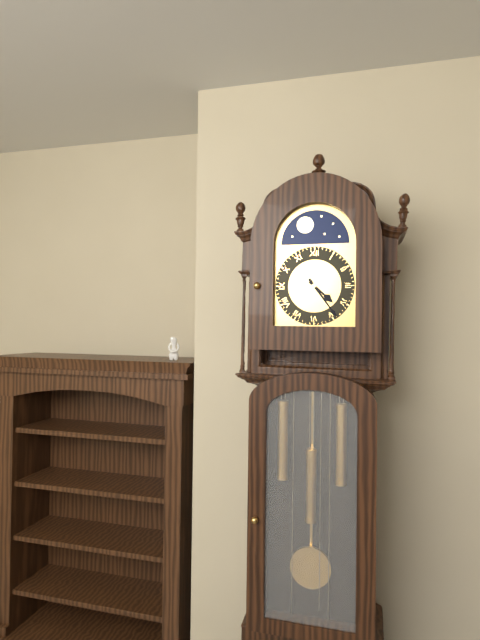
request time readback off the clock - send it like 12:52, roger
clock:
4:24
